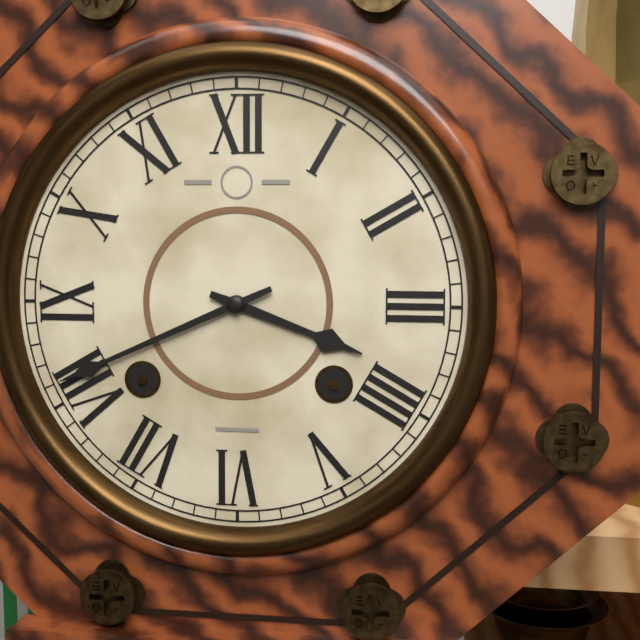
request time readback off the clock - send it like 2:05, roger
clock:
3:41
